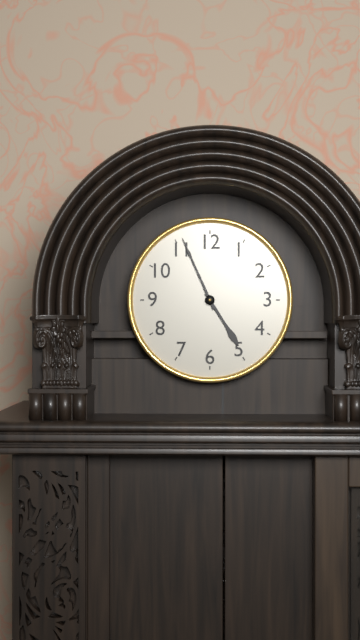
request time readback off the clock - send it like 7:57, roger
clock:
4:56
